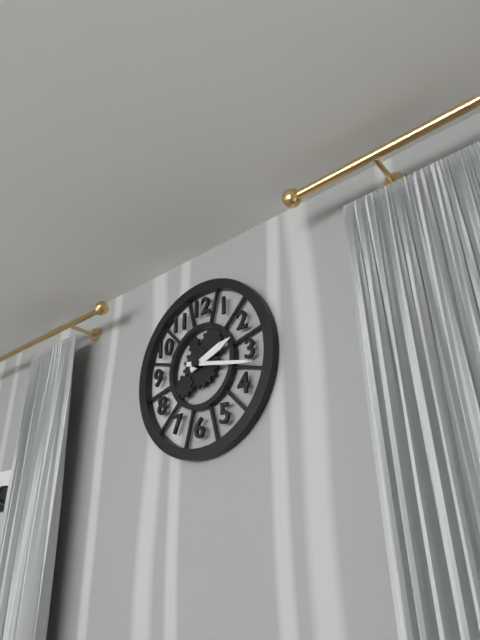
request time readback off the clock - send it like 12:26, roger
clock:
2:17
